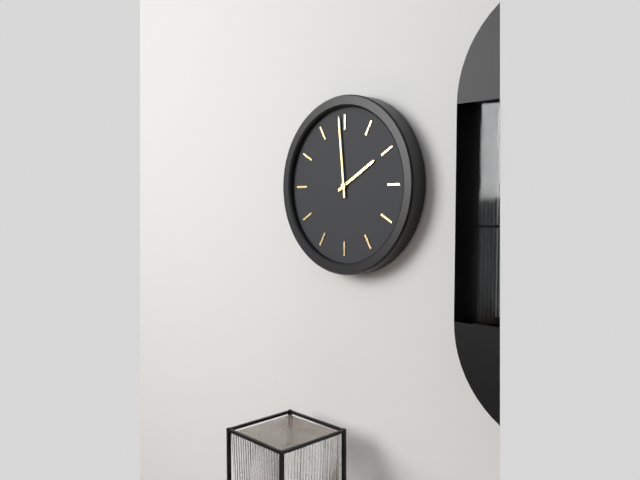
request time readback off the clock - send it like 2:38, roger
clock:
1:59
